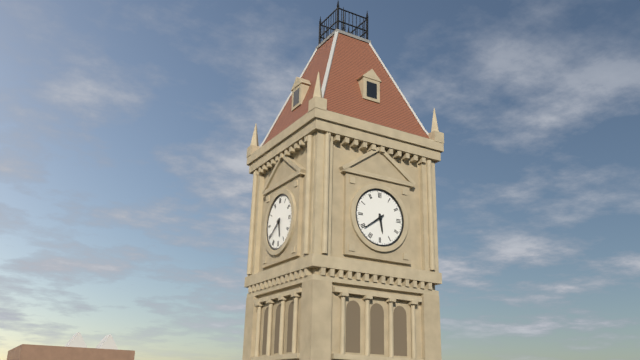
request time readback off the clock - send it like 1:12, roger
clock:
5:39
